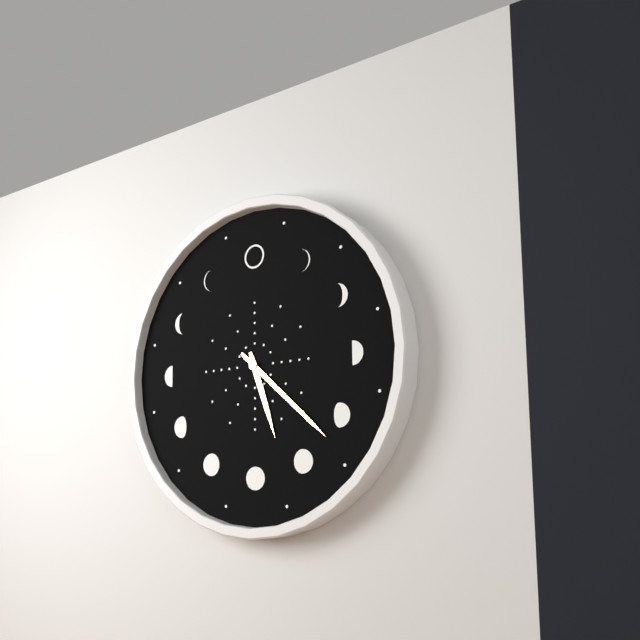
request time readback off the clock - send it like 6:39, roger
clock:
5:22
